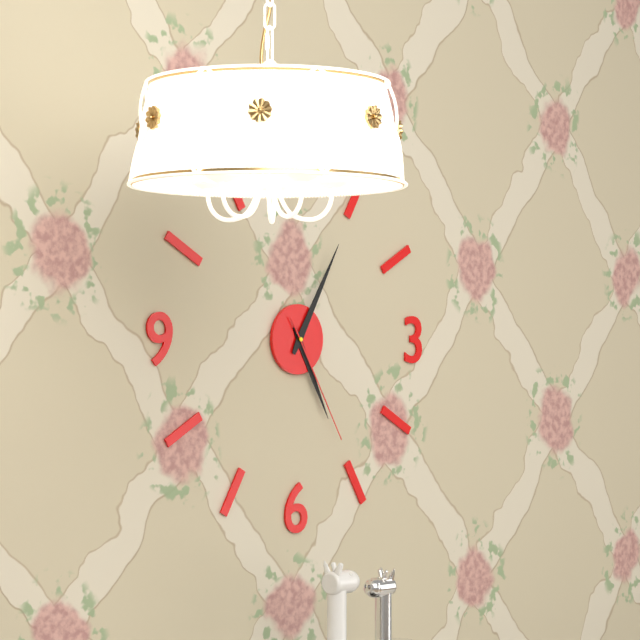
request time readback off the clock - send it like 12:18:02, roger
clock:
5:05:25
